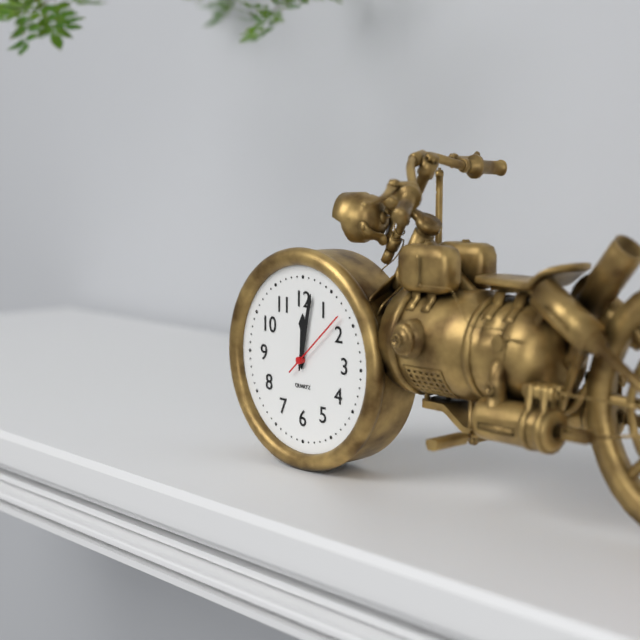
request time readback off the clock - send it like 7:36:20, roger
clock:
12:02:08
